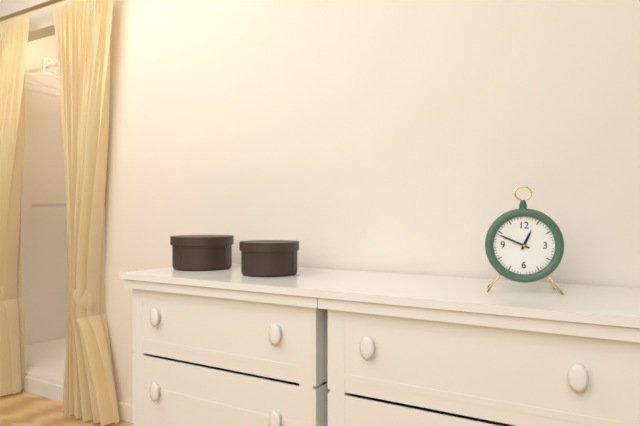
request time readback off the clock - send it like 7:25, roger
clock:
12:49
